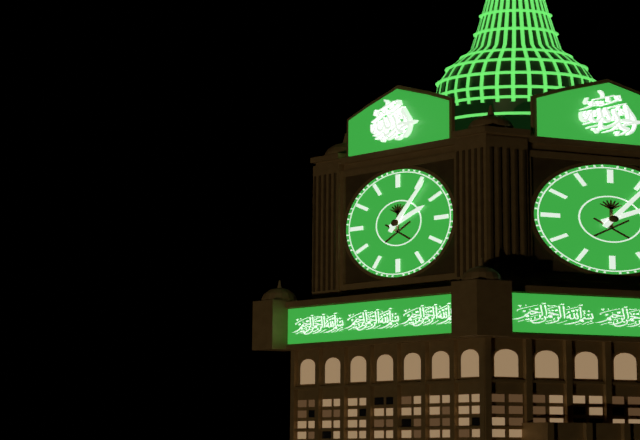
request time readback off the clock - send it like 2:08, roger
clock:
2:06
